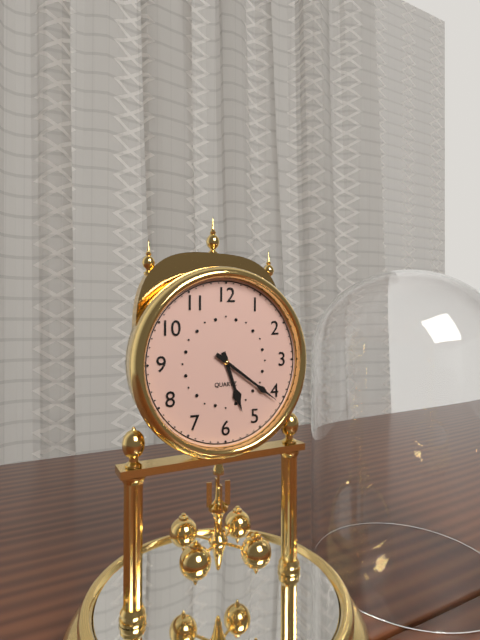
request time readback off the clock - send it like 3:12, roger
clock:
5:21
